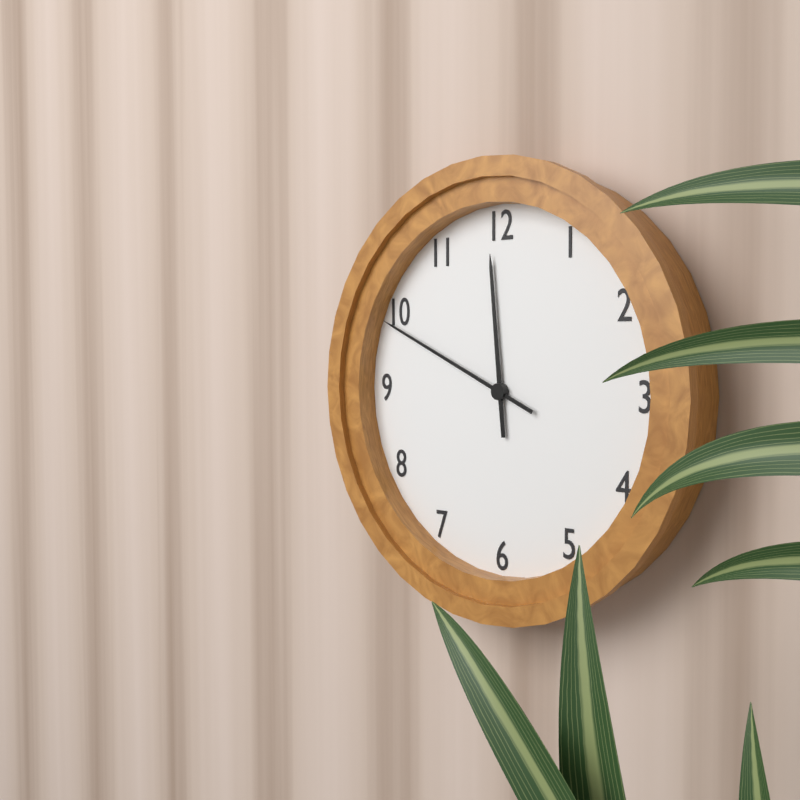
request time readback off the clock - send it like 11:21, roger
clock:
11:49
